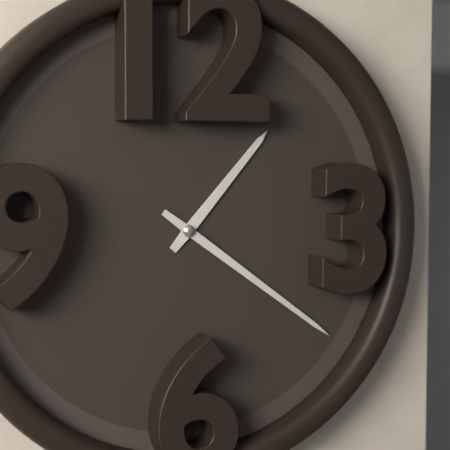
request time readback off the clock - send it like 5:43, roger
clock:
1:21
